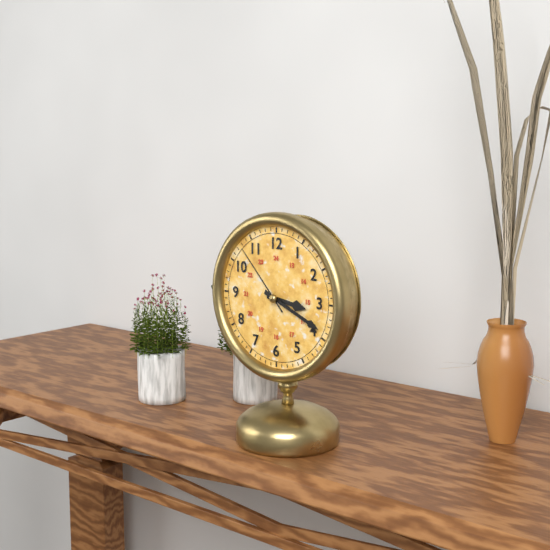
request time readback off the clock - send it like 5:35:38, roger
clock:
3:19:53
